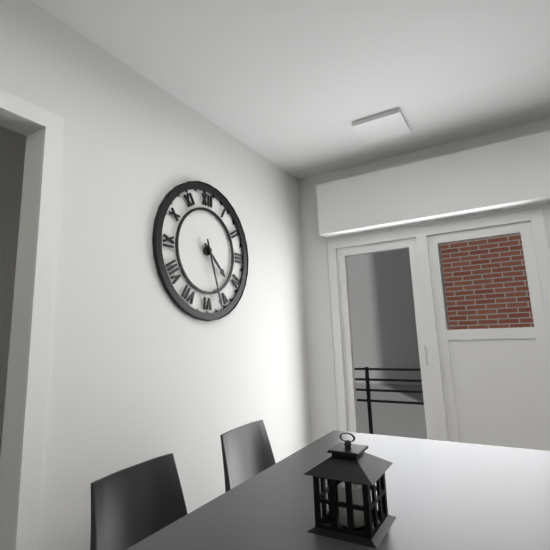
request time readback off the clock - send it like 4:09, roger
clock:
4:27
